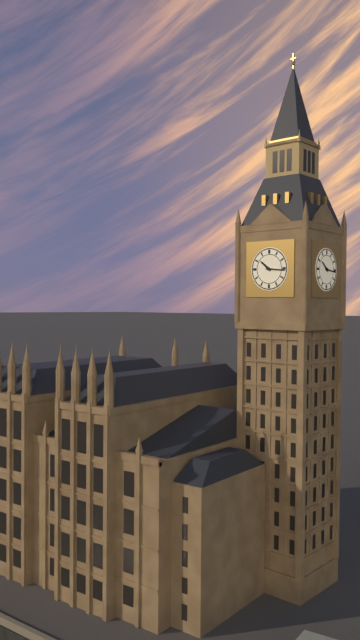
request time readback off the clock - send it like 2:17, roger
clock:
10:16
